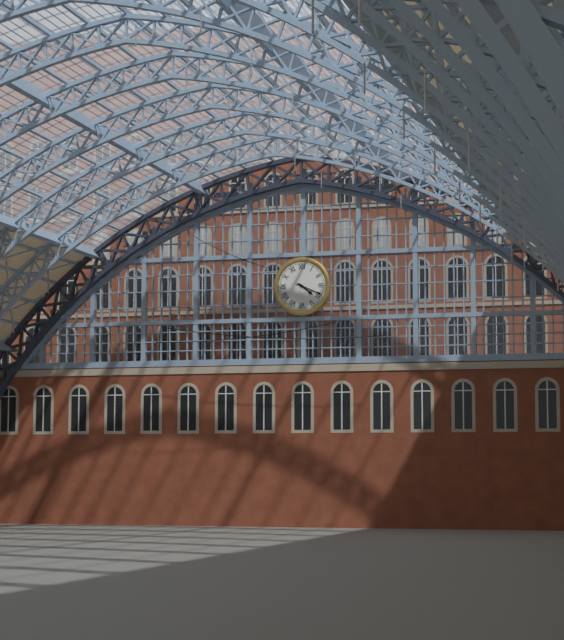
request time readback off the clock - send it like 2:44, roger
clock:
4:19
